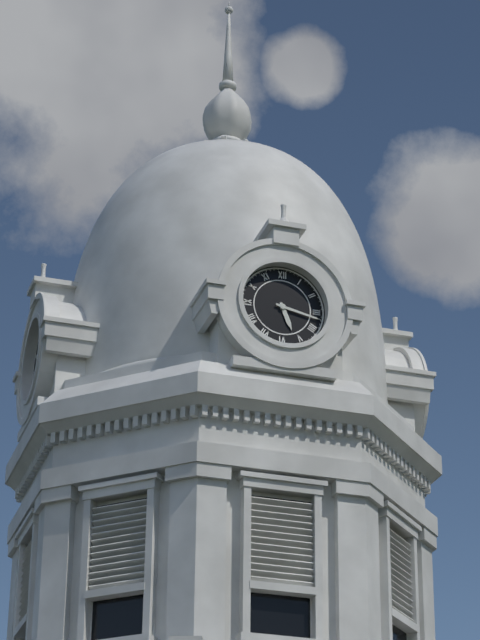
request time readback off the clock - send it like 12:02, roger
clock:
5:17
